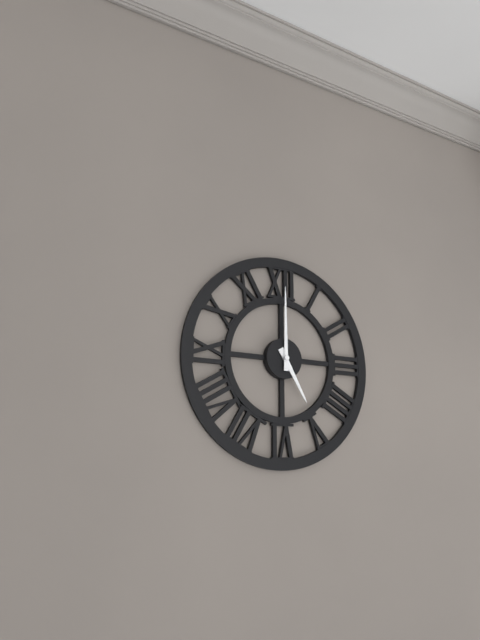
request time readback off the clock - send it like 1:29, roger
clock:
5:00
